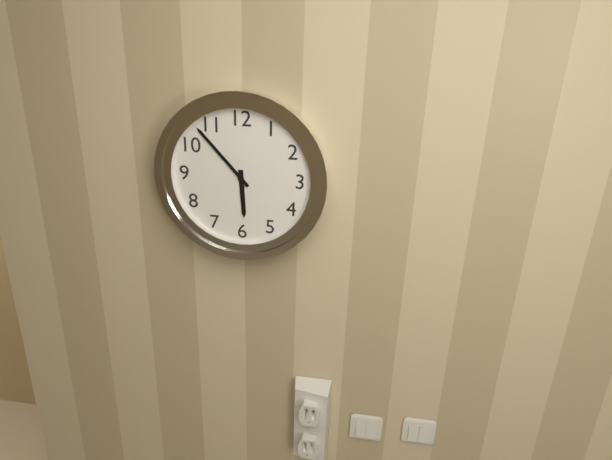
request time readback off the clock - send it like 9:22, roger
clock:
5:53
